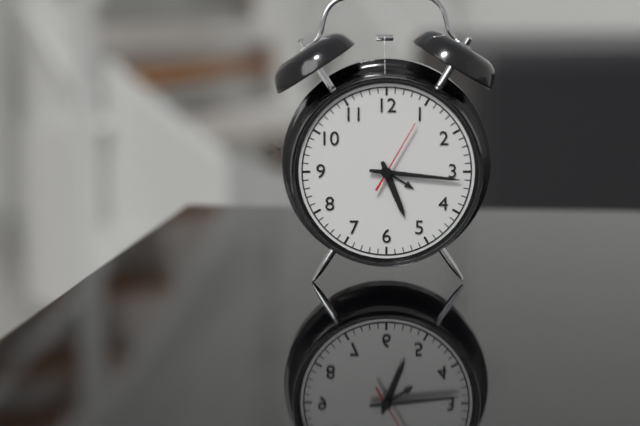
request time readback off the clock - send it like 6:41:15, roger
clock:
5:16:05
